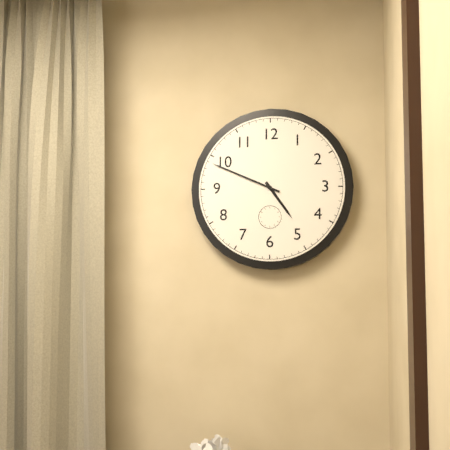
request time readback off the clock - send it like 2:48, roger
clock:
4:49
